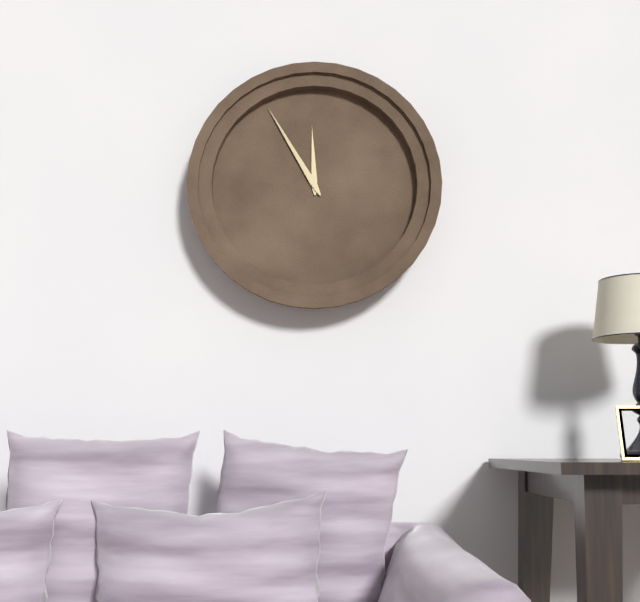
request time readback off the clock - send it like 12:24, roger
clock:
11:55
